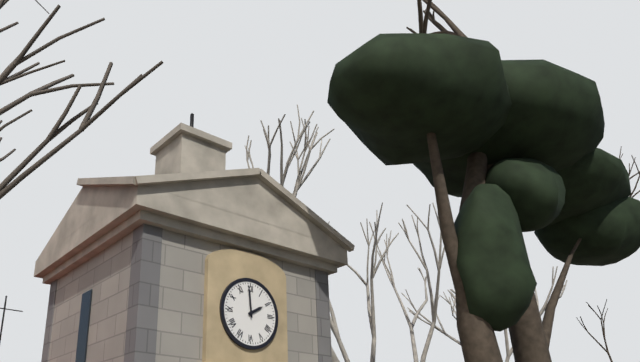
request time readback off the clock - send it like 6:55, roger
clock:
1:59
